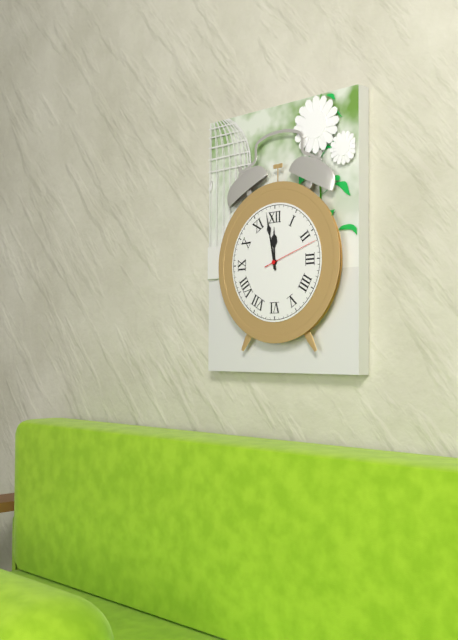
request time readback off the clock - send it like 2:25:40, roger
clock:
11:58:12
